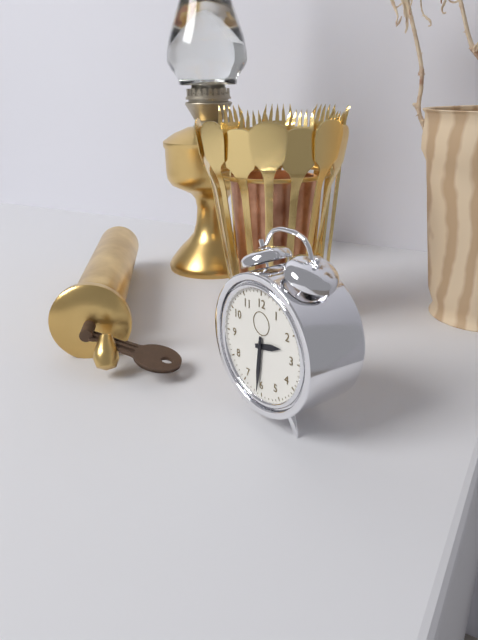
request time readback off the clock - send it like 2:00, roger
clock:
2:31
